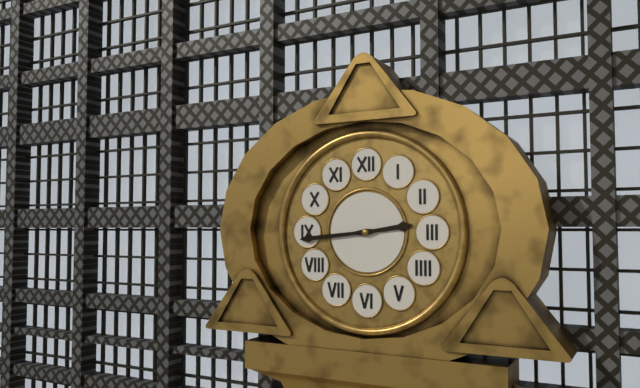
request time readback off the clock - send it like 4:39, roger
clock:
2:44
